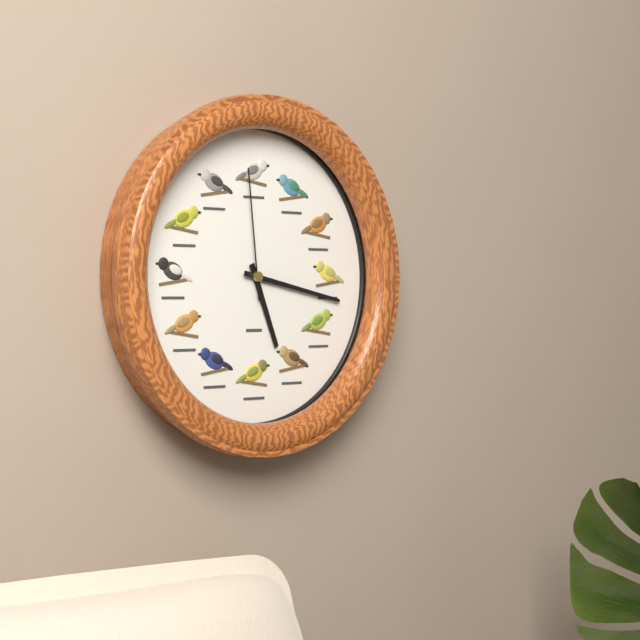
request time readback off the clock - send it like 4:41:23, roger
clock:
5:17:59
